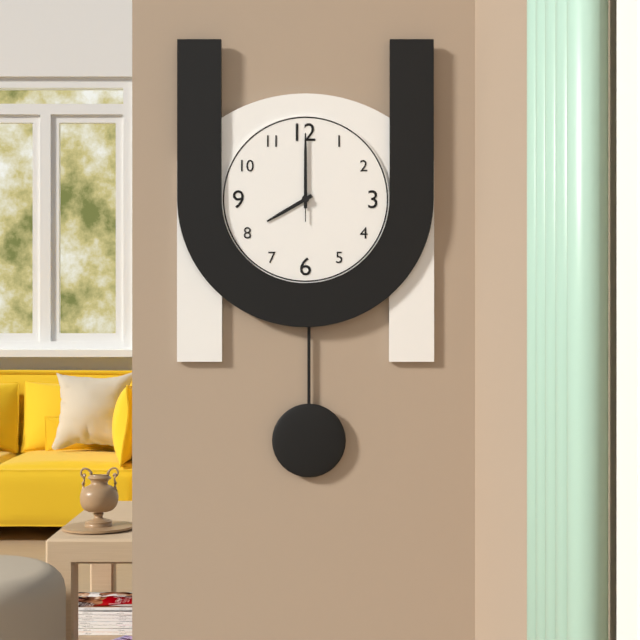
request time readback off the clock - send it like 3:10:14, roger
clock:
8:00:00
